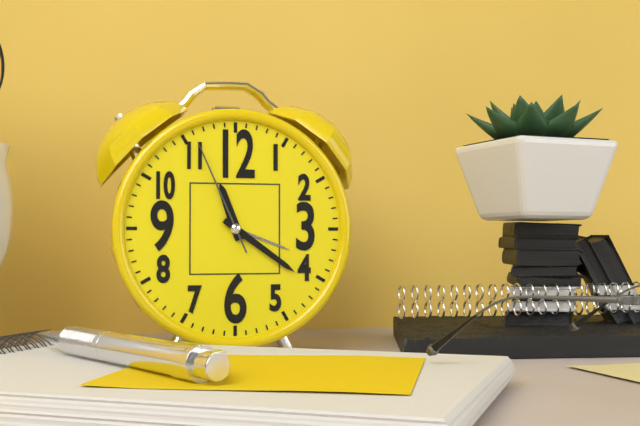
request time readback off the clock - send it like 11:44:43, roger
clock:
11:21:56
